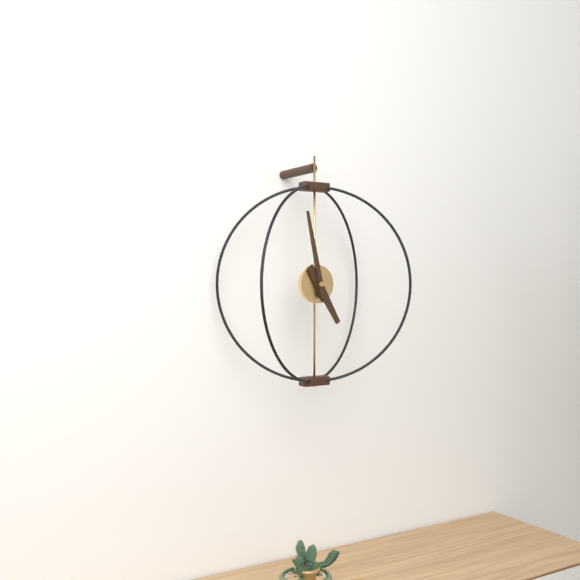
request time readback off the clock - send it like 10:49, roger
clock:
4:58
